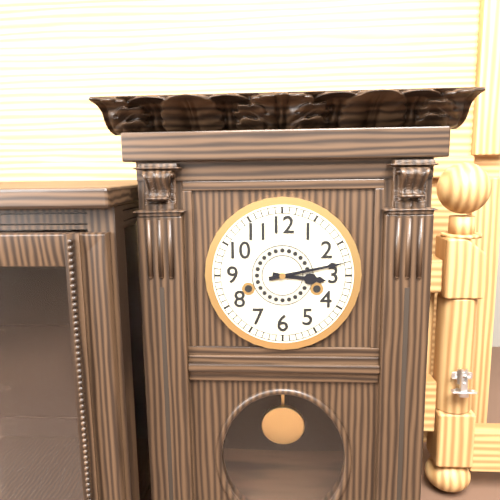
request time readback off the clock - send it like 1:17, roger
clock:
3:13
